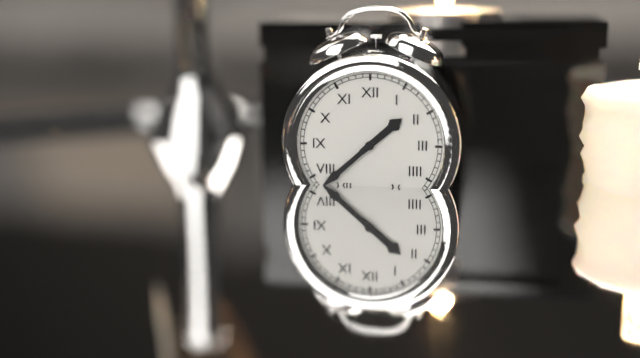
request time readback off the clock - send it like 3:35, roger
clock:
1:38
